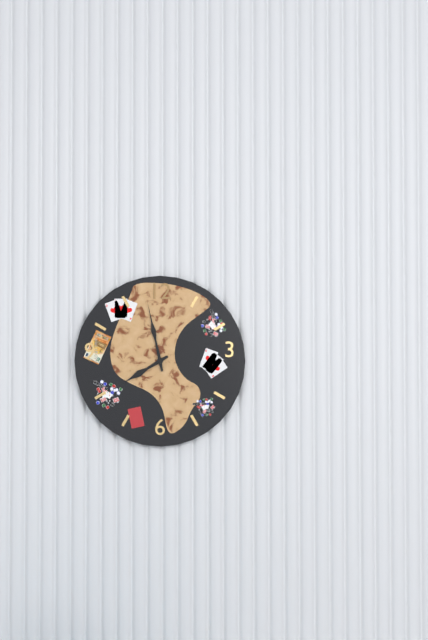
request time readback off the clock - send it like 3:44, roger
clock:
7:58
